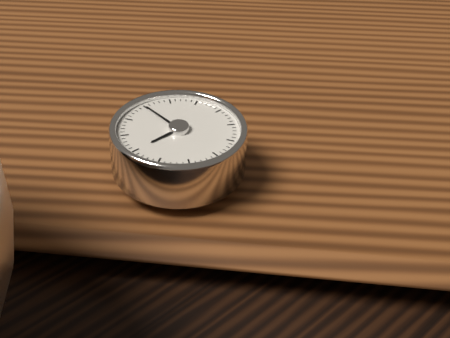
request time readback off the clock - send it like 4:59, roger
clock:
9:00
